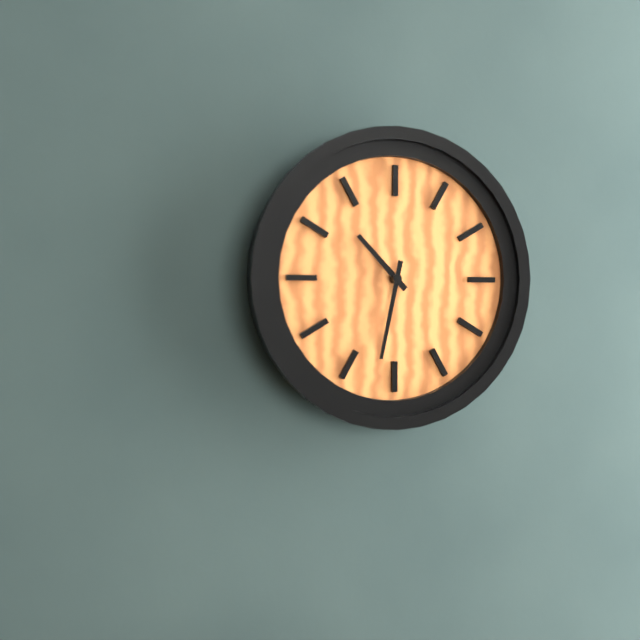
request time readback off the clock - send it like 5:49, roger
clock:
10:32
